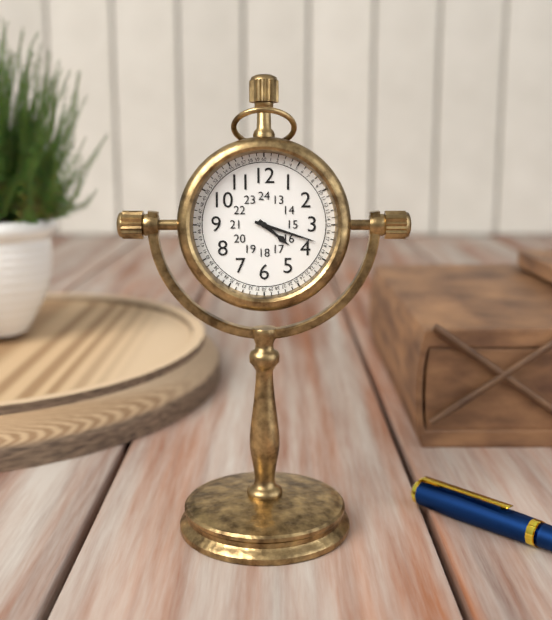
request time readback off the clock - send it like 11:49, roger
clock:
4:18
